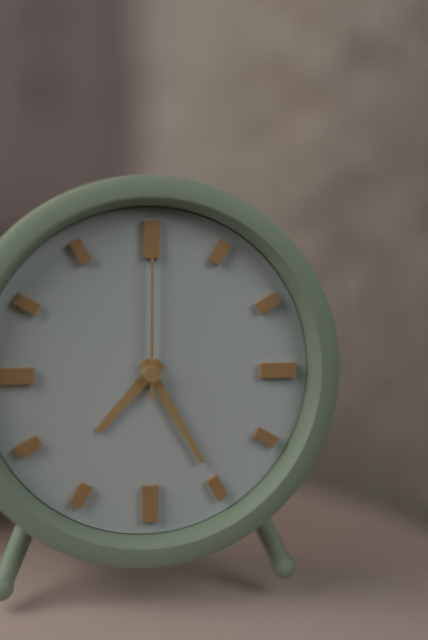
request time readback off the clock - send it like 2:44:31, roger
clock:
7:25:00
